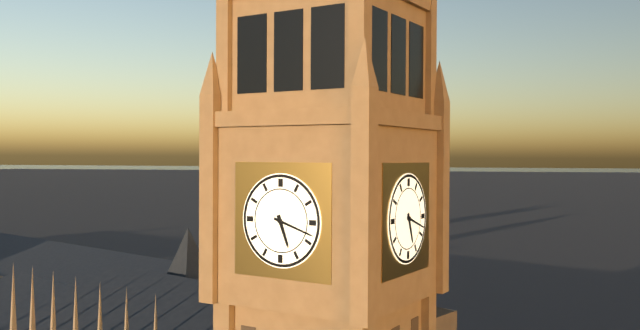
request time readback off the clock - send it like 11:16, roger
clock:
5:18
